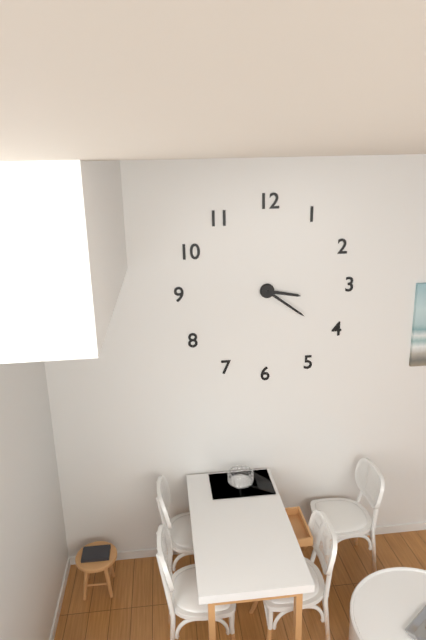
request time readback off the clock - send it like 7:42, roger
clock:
3:21
